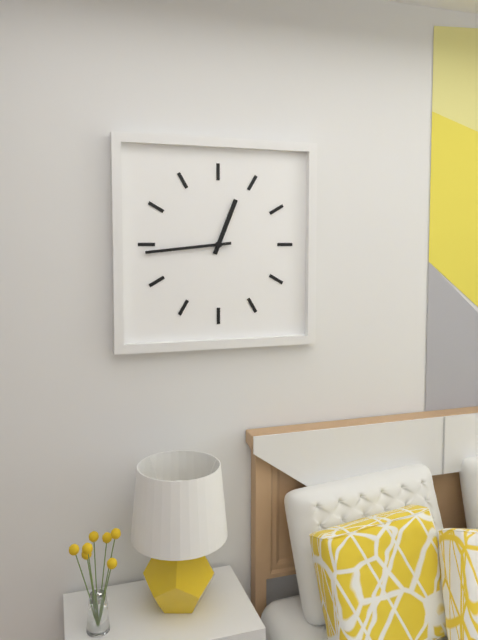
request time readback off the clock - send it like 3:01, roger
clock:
12:44
